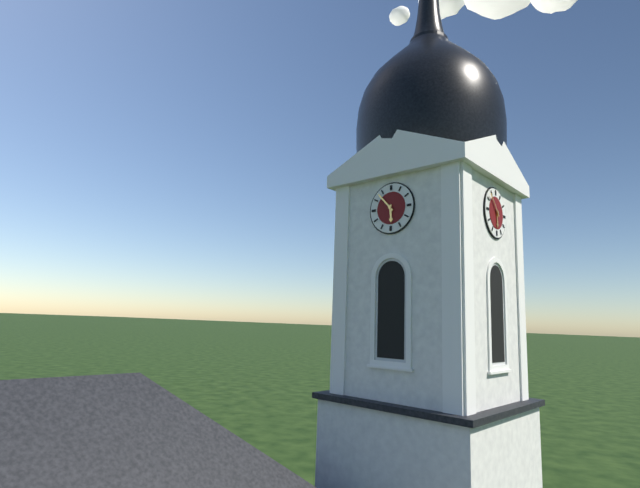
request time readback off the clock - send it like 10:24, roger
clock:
5:53
